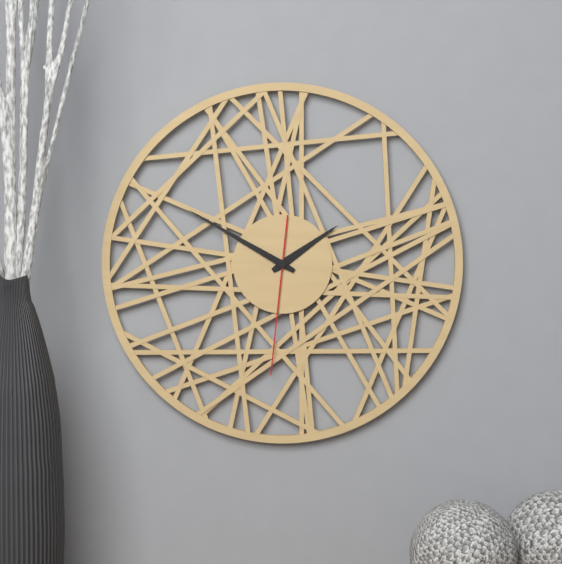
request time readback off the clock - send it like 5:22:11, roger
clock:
1:50:31
